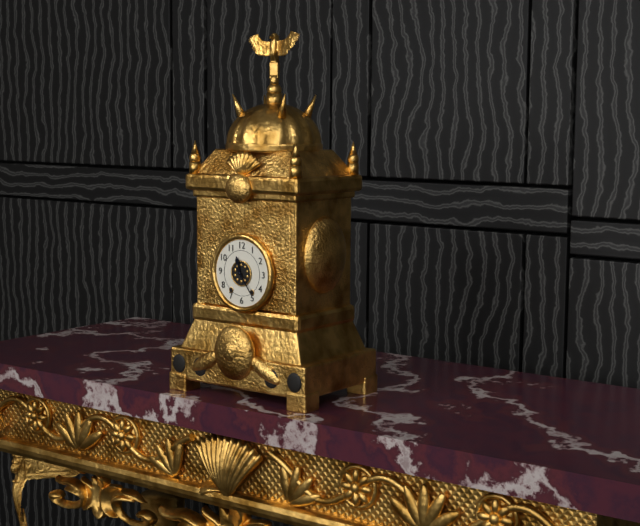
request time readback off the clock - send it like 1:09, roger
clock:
11:24
